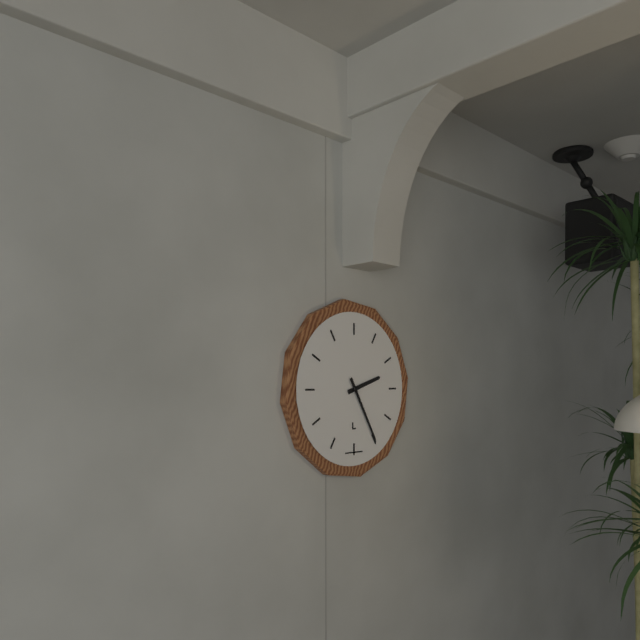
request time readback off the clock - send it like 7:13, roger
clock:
2:25
